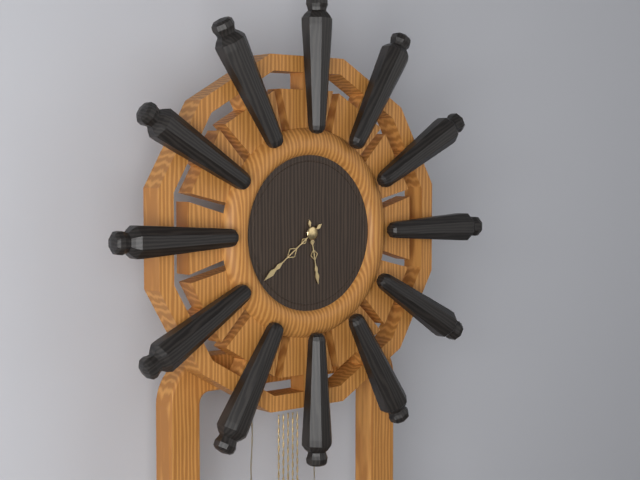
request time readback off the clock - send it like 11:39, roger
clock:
5:39
